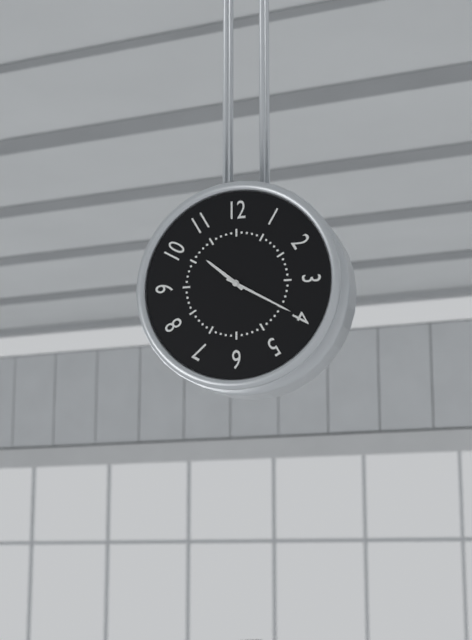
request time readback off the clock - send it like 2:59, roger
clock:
10:20
